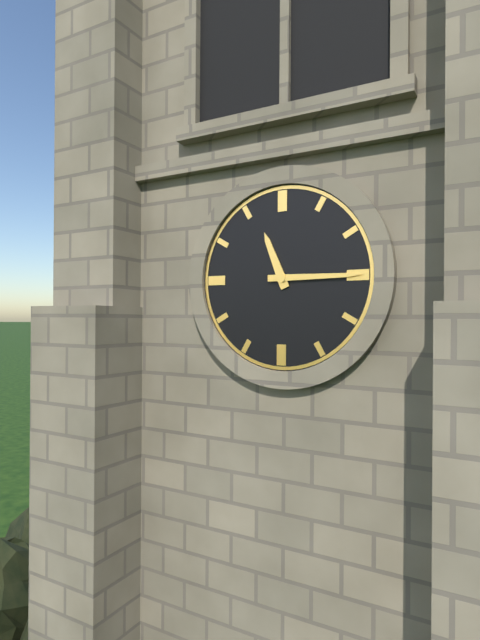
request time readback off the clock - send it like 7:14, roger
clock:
11:15
